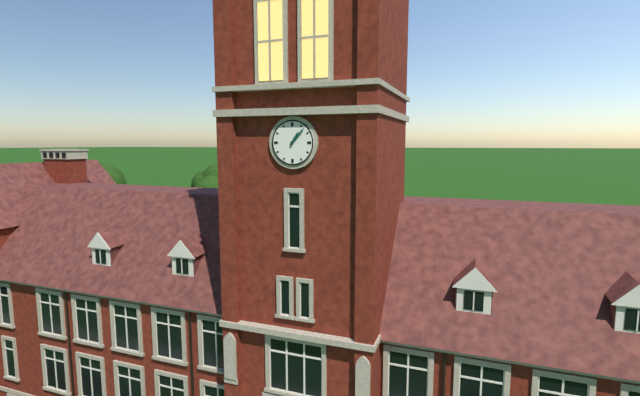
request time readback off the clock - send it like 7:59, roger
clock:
1:07
